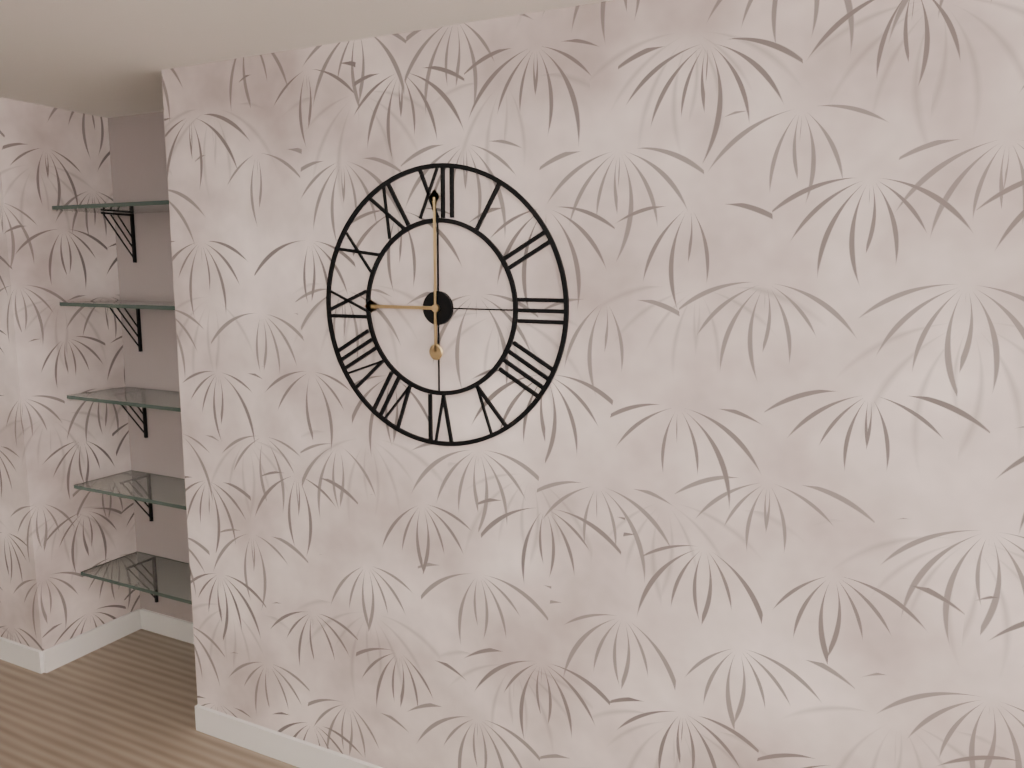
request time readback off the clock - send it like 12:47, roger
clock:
9:00
